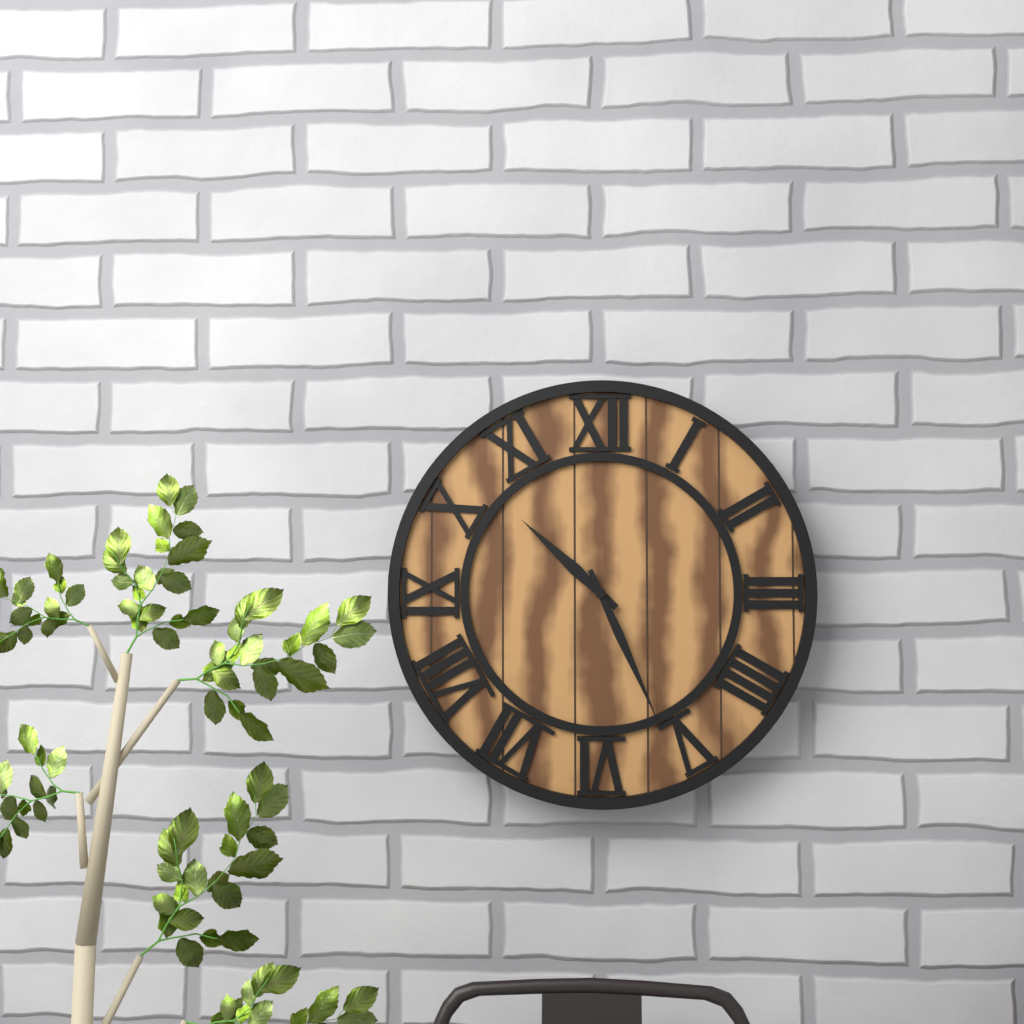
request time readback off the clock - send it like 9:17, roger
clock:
10:26
